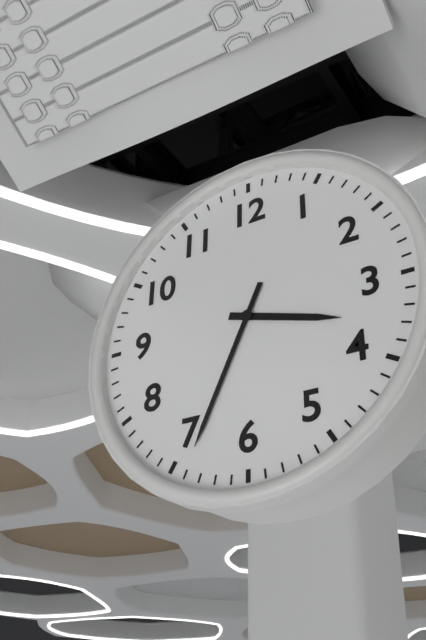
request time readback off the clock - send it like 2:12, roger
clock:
3:34
